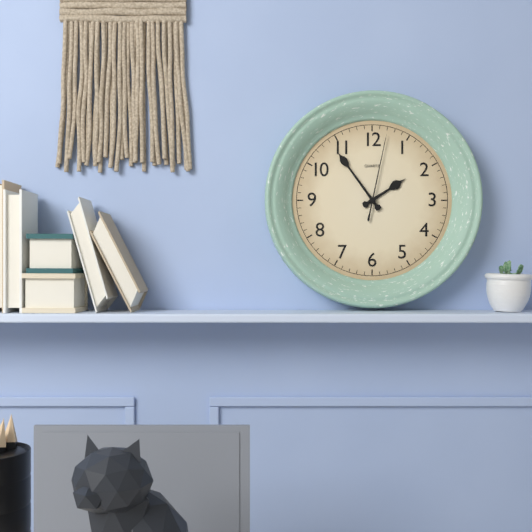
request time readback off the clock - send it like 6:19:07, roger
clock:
1:54:02
